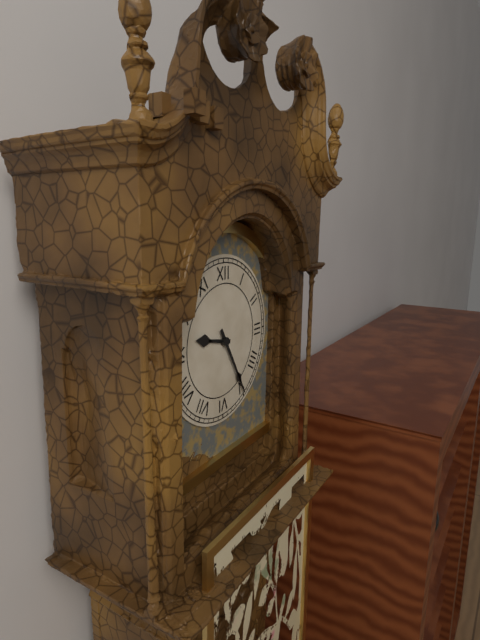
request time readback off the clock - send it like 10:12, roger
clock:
9:25
